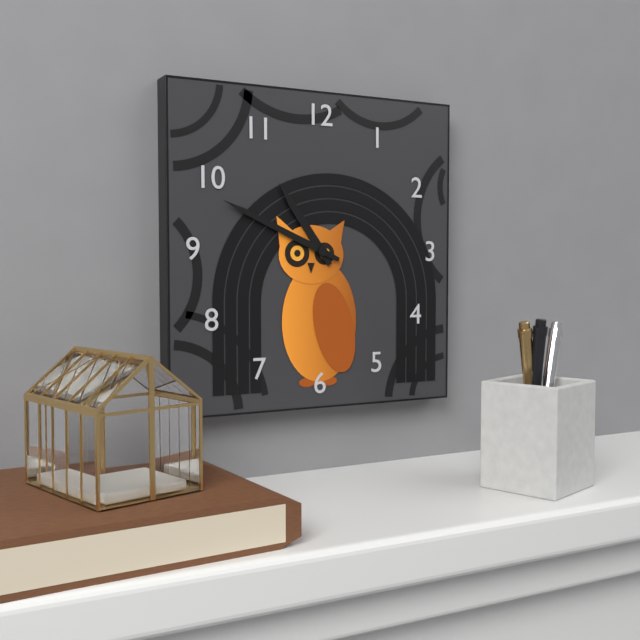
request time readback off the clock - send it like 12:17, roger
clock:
10:49
